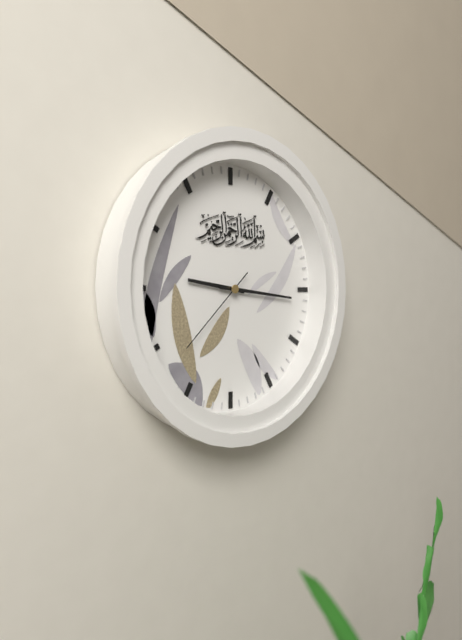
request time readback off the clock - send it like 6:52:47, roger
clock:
9:16:38
